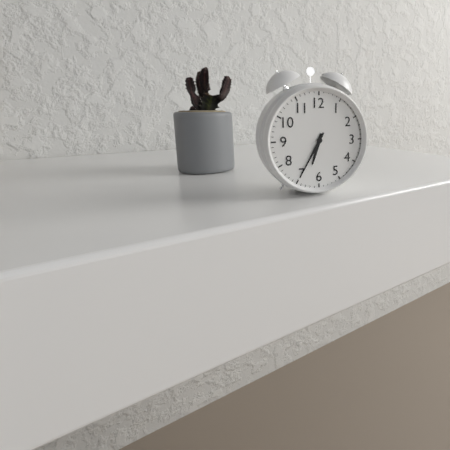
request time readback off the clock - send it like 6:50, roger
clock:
6:35
